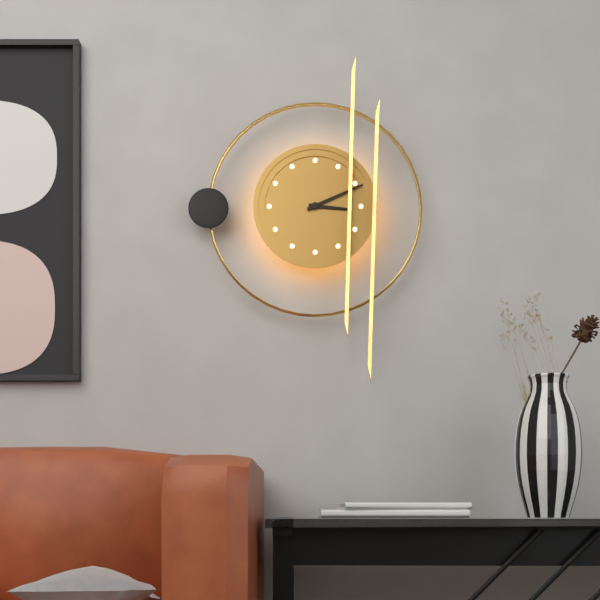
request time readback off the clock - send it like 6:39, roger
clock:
3:11
